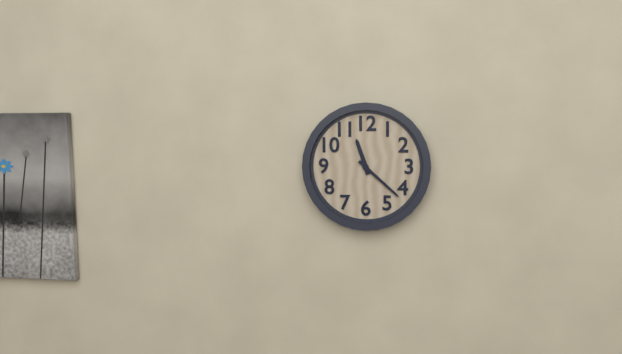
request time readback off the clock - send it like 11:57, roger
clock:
11:22
